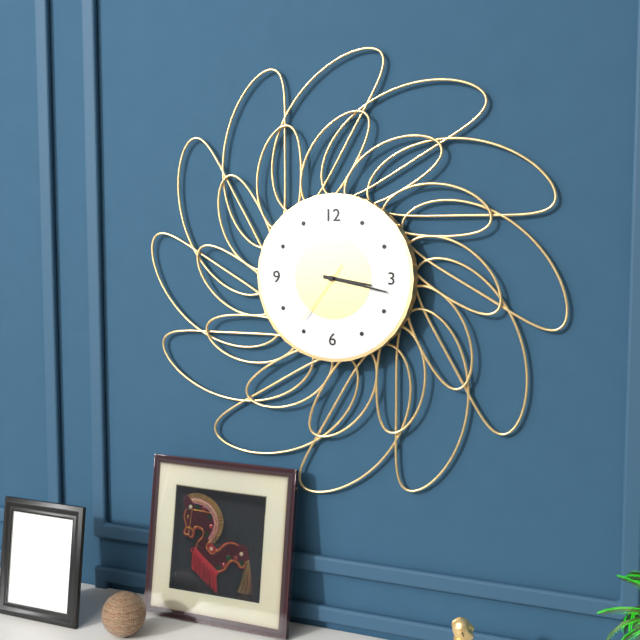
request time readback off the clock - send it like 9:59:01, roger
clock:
3:17:36
